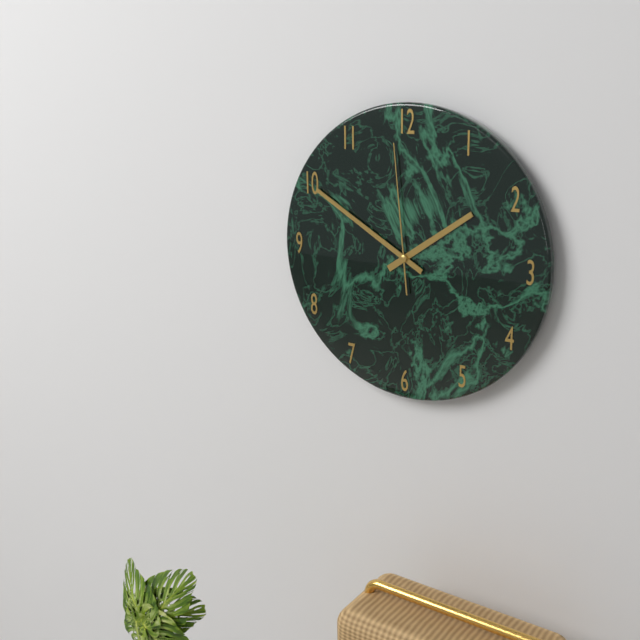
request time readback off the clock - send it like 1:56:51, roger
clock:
1:50:59
